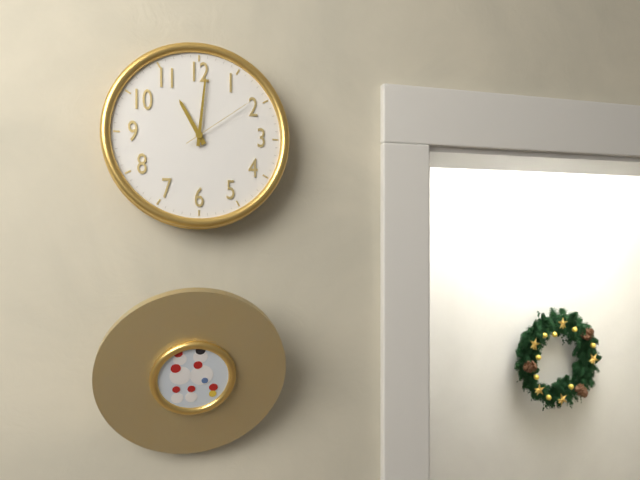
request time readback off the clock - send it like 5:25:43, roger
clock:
11:01:09
